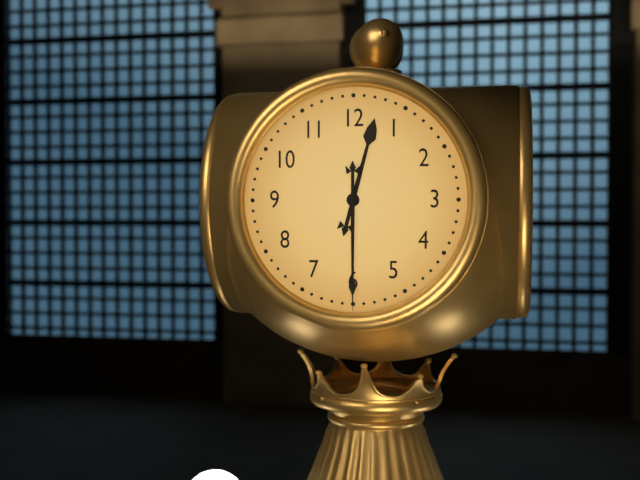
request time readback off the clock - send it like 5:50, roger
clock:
12:30
